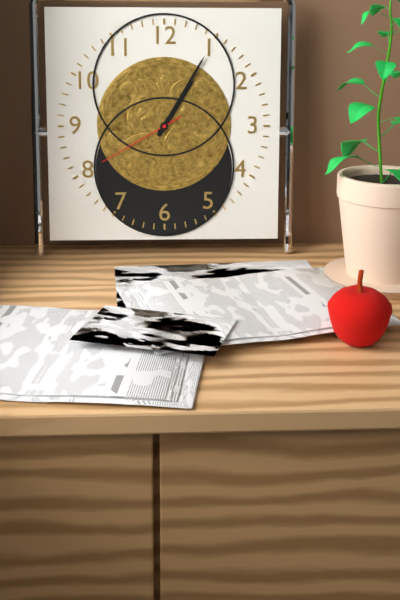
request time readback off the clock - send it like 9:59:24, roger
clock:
1:05:40
